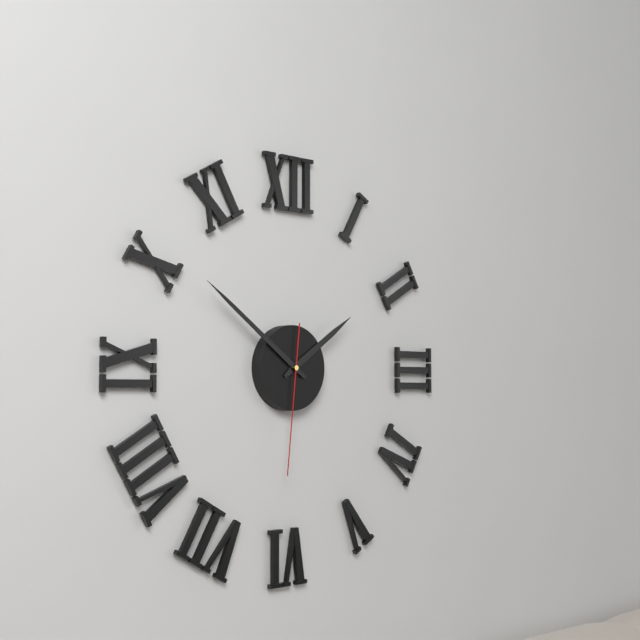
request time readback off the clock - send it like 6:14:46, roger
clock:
1:51:31
